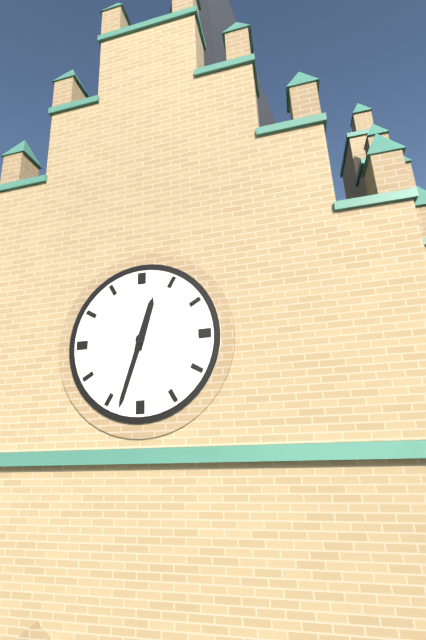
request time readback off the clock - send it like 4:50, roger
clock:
12:33
